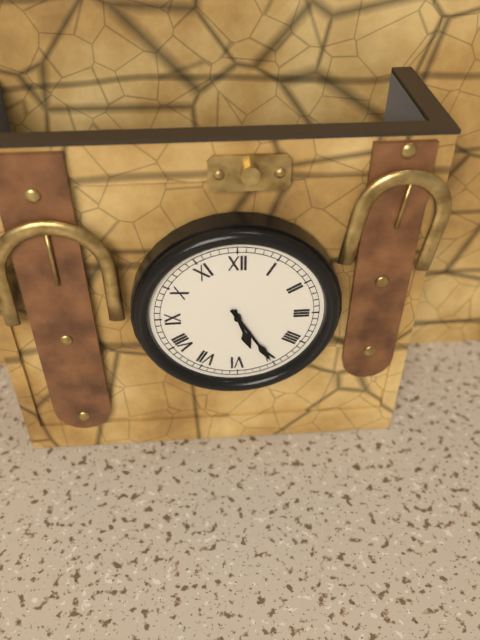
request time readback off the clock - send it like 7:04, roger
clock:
5:25
